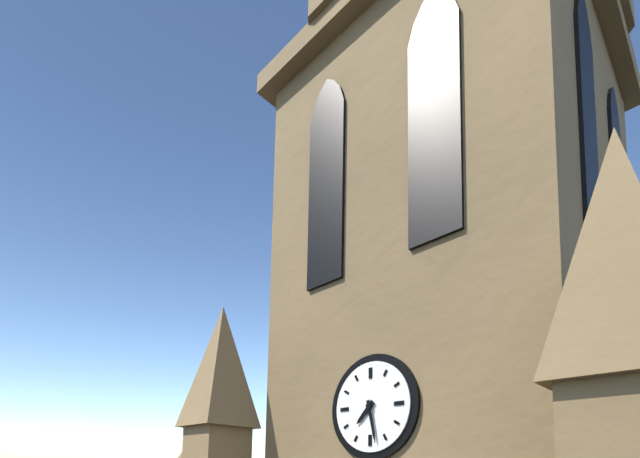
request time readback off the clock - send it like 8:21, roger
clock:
7:28
